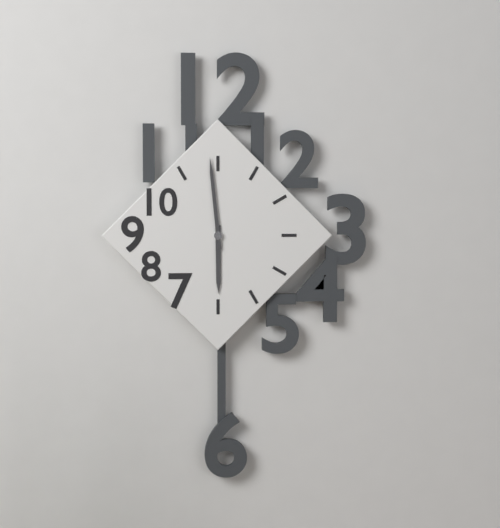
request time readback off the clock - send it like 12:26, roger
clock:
5:59
